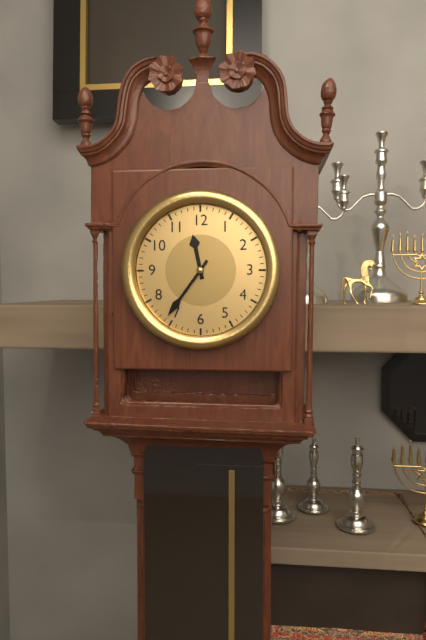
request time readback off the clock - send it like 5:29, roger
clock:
11:36
